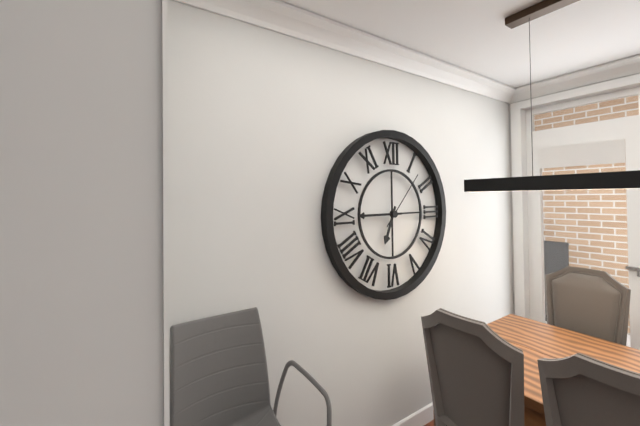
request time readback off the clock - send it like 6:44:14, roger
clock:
6:45:07
